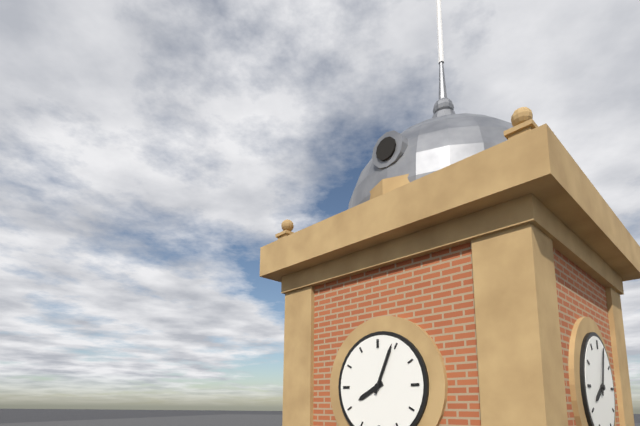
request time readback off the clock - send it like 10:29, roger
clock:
8:04
